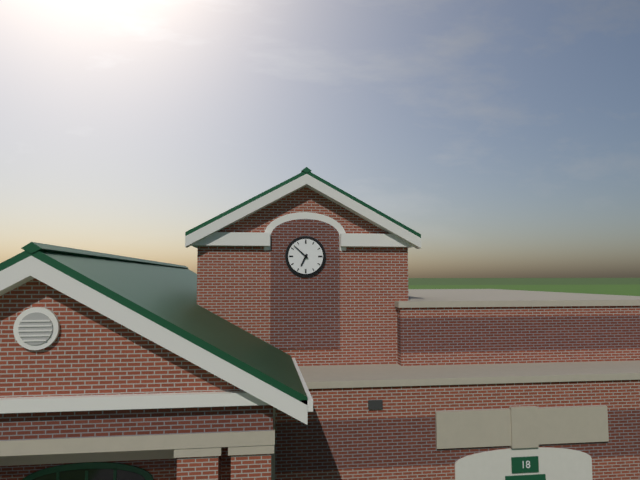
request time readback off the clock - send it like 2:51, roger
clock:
6:52
